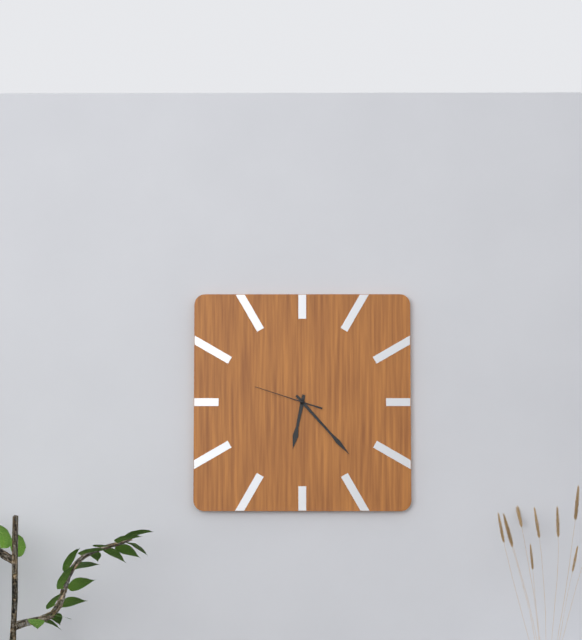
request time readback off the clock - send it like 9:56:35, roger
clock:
6:23:48
